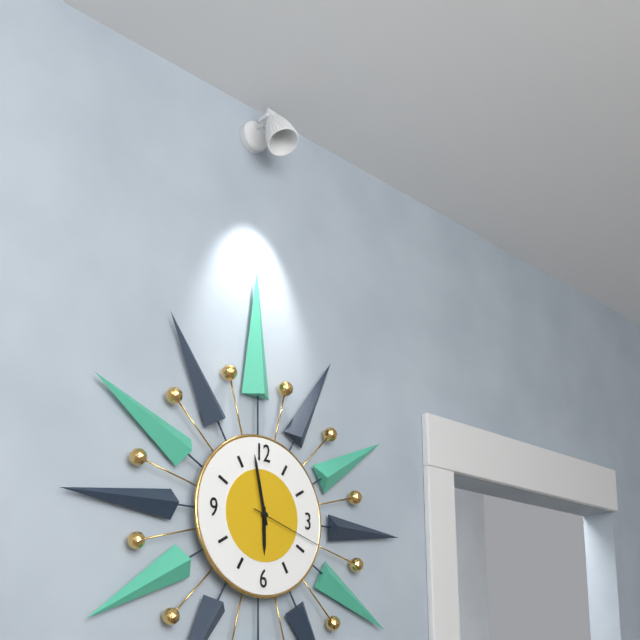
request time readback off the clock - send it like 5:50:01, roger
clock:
5:58:18
